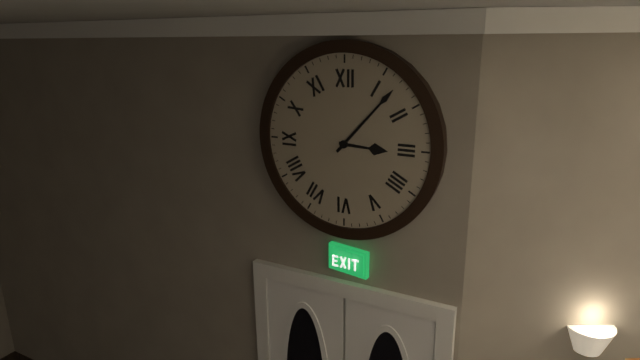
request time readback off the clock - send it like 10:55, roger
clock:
3:07
